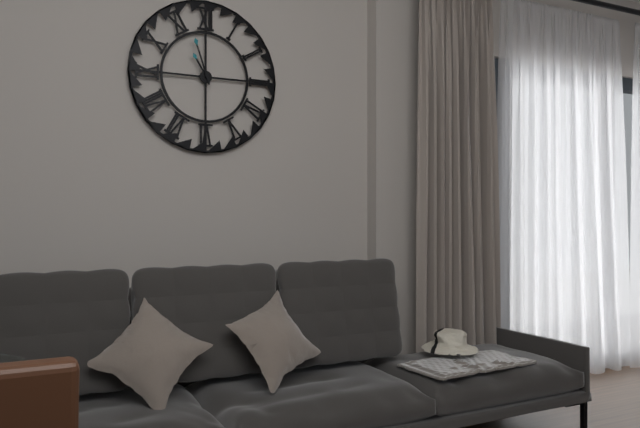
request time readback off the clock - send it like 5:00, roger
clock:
10:57
